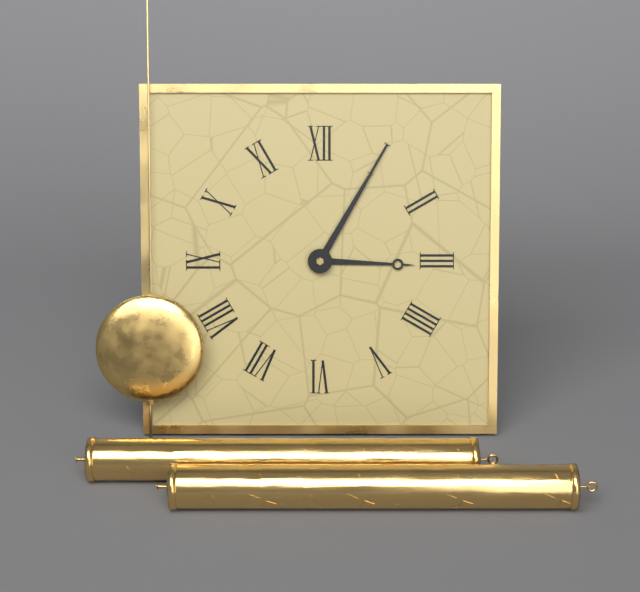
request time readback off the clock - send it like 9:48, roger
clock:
3:05
